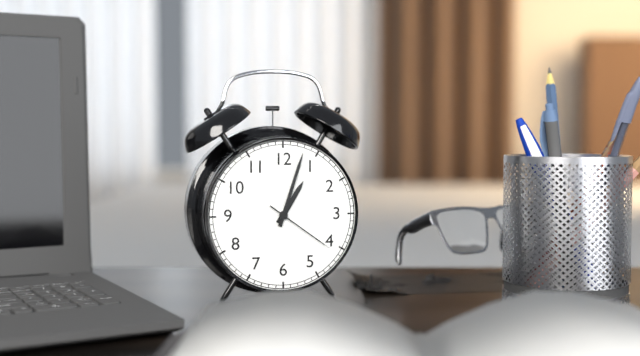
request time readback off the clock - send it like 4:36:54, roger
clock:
1:03:21
